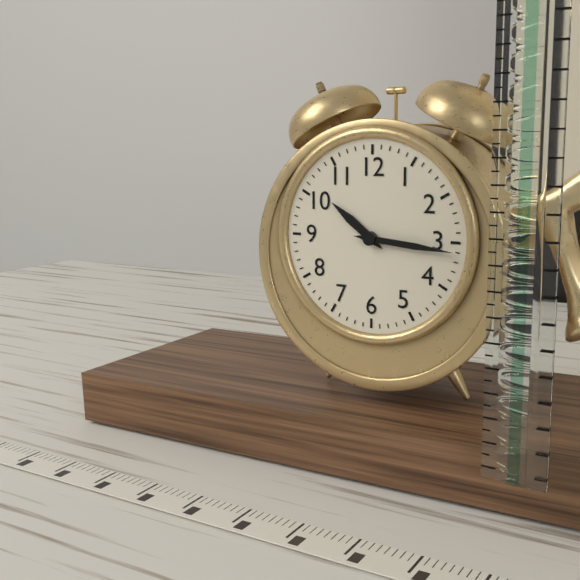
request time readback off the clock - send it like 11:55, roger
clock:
10:16
